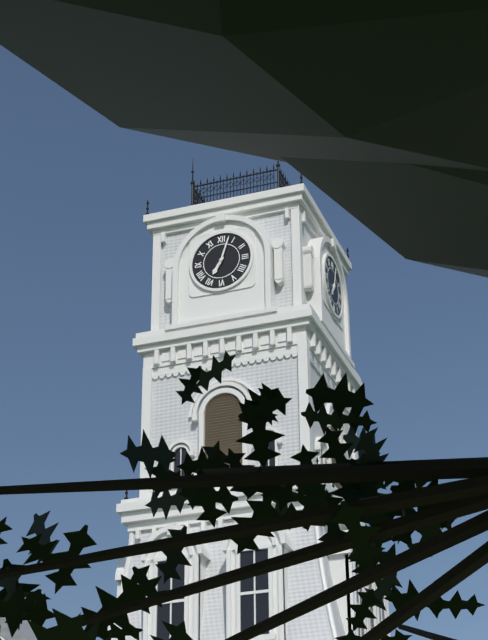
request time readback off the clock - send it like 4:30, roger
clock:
7:03
